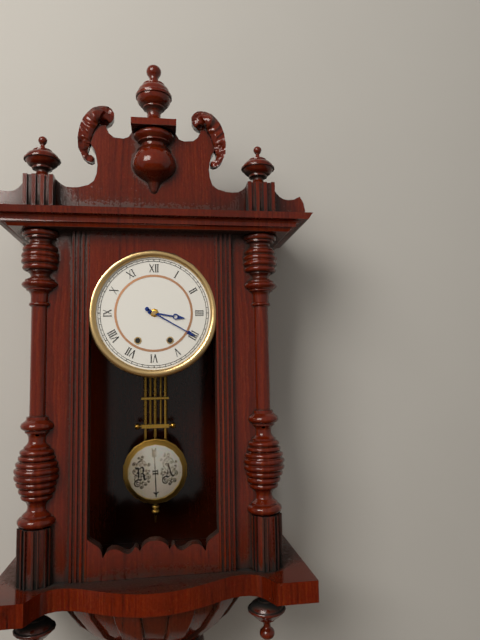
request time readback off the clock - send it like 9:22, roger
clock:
3:20
